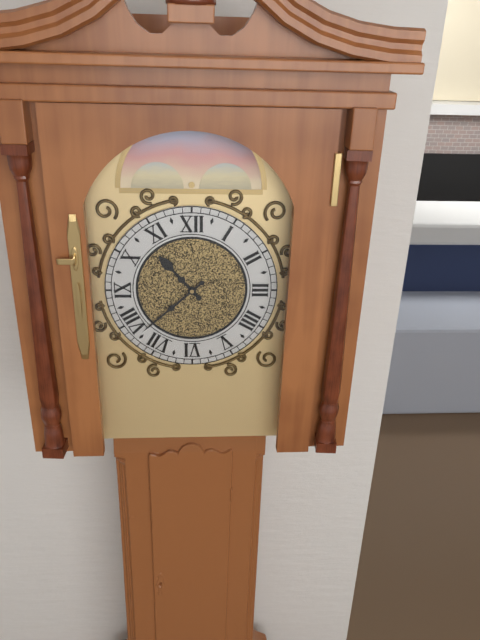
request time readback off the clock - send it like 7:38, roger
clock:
10:38
